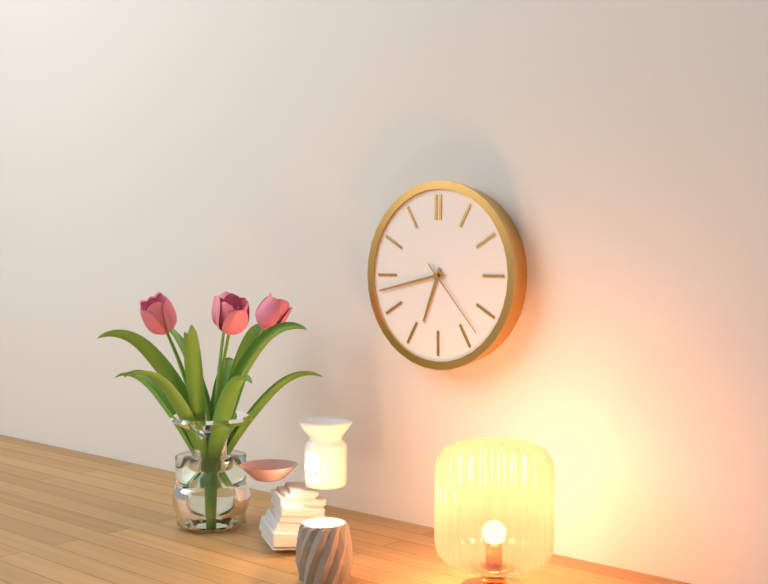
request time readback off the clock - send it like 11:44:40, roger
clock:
6:43:23
